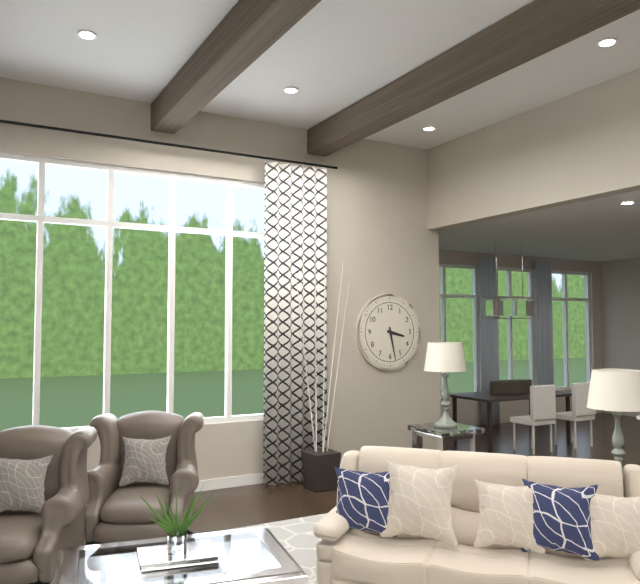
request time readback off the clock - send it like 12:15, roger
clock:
3:28
